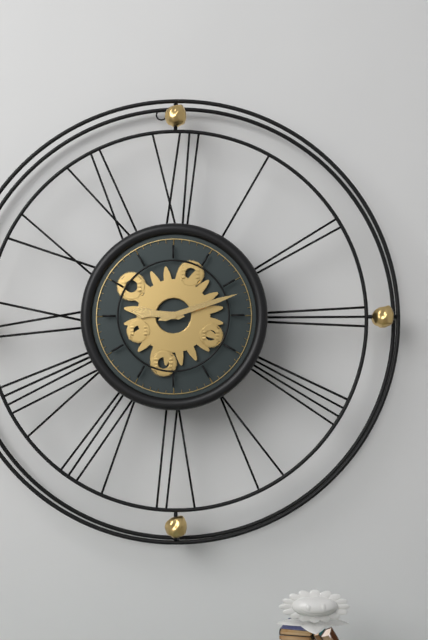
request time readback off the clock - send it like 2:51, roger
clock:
9:12
